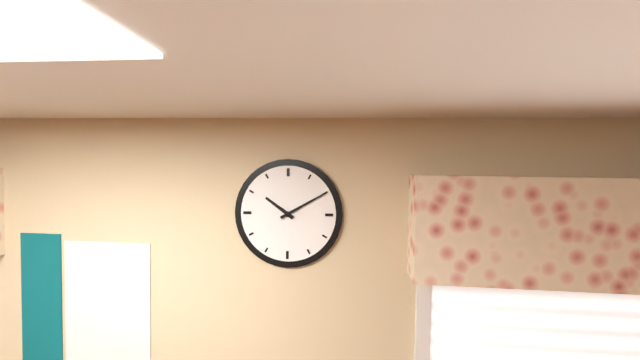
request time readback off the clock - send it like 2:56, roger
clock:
10:10
